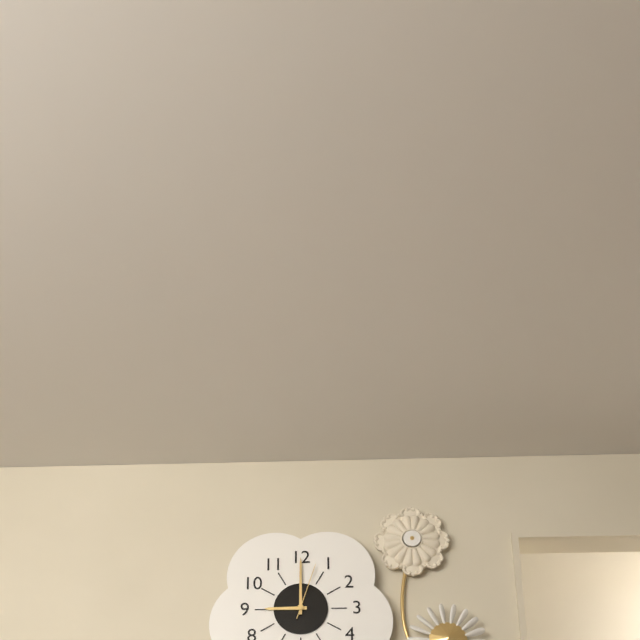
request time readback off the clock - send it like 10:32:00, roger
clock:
9:00:03
